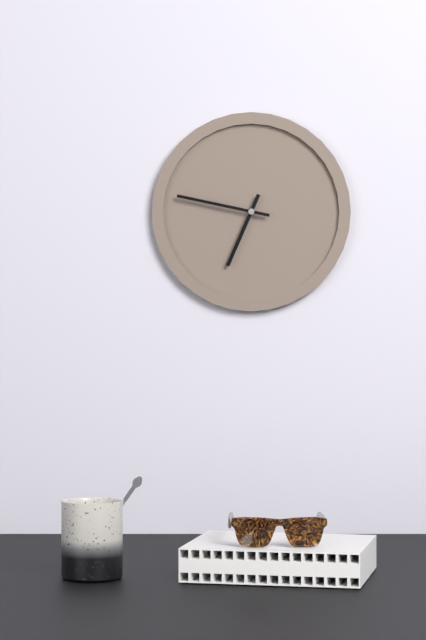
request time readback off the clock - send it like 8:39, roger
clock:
6:47
